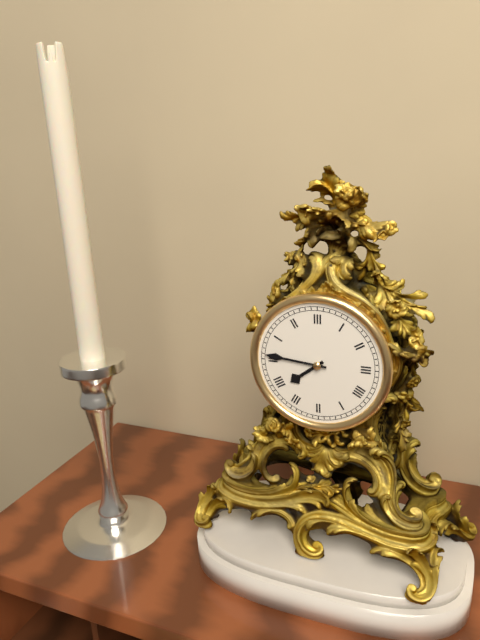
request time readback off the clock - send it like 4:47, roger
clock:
7:46
